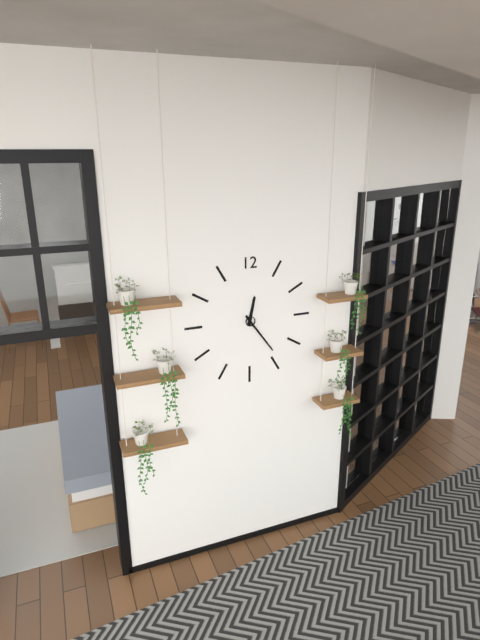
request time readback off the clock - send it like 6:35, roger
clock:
12:24
